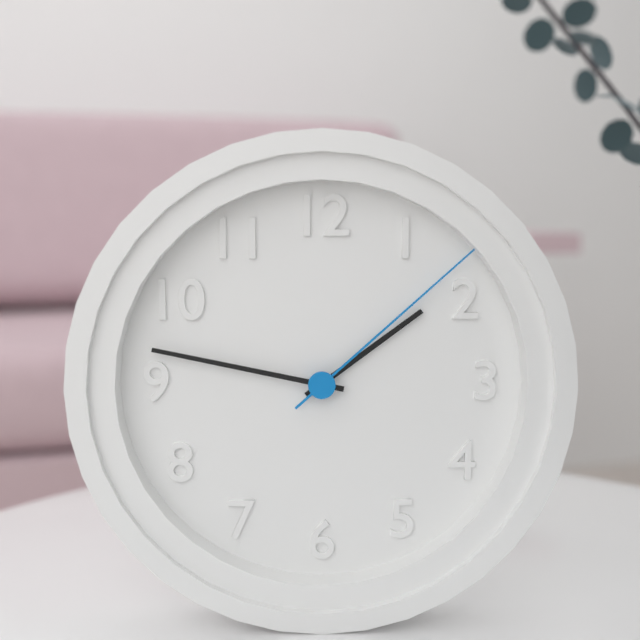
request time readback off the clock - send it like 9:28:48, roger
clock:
1:47:08
